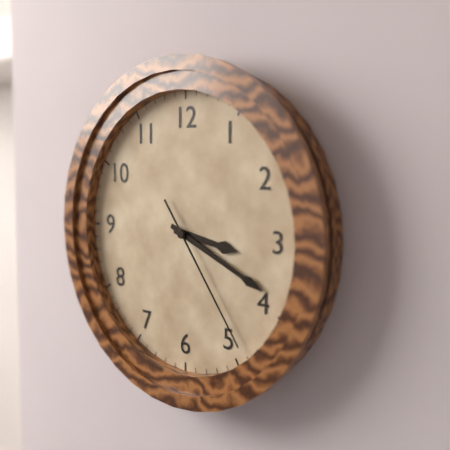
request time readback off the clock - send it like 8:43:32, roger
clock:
3:19:24
